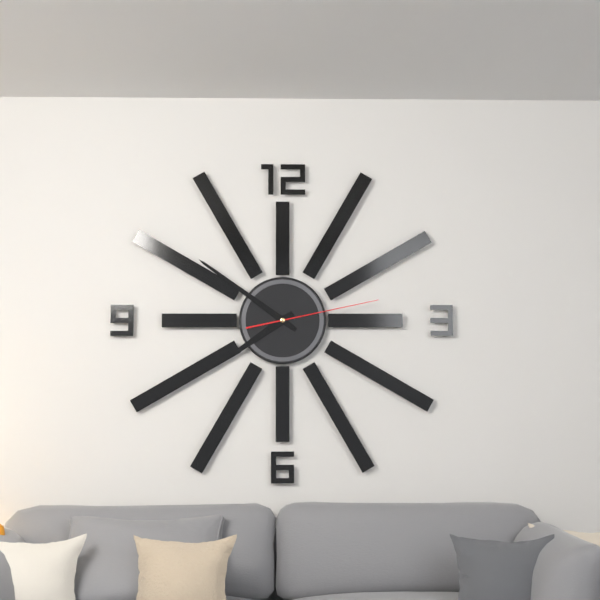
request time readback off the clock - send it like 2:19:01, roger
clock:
7:51:13
